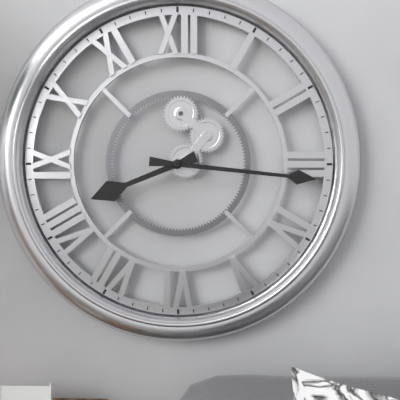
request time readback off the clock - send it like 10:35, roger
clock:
8:16
